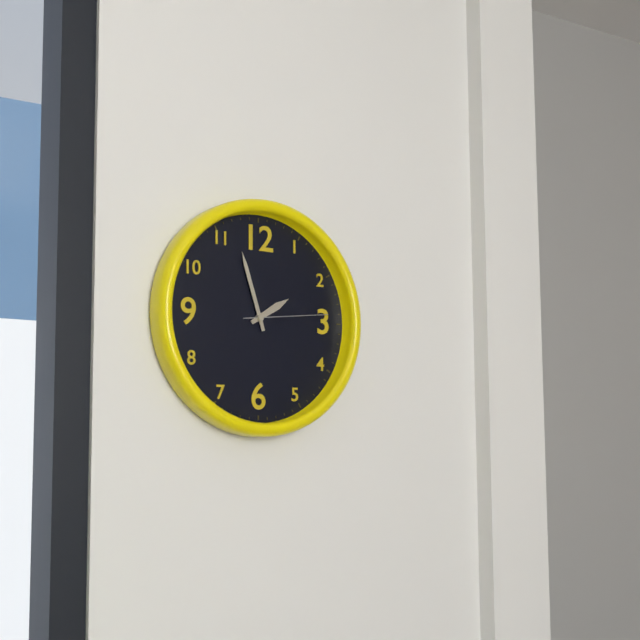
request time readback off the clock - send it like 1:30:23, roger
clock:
1:57:14
